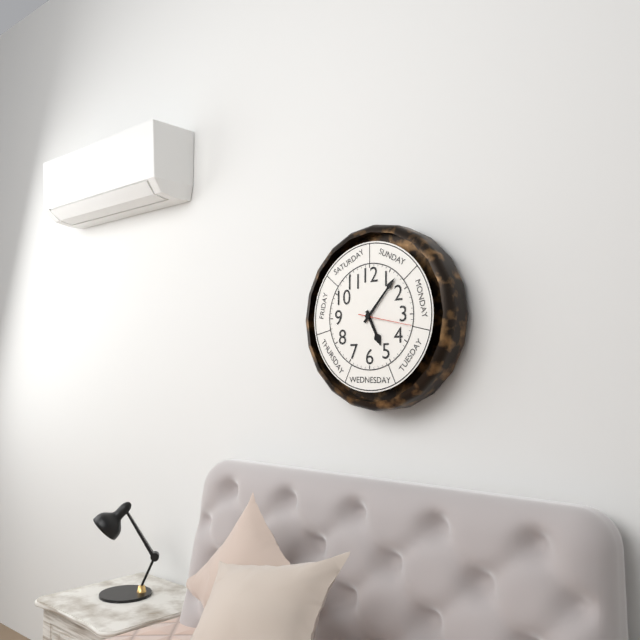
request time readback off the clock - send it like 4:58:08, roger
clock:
5:07:17
